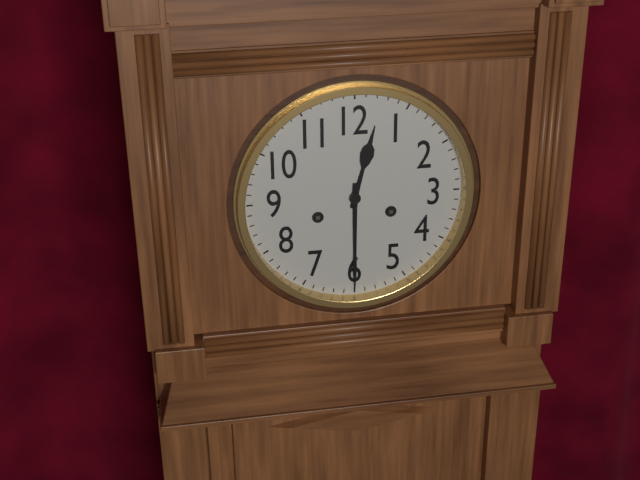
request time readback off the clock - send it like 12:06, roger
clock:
12:30
